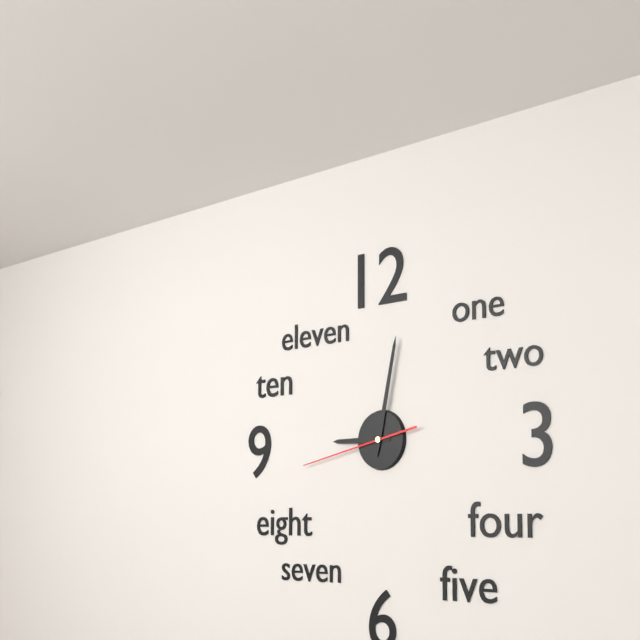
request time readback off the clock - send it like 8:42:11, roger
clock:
9:02:43
